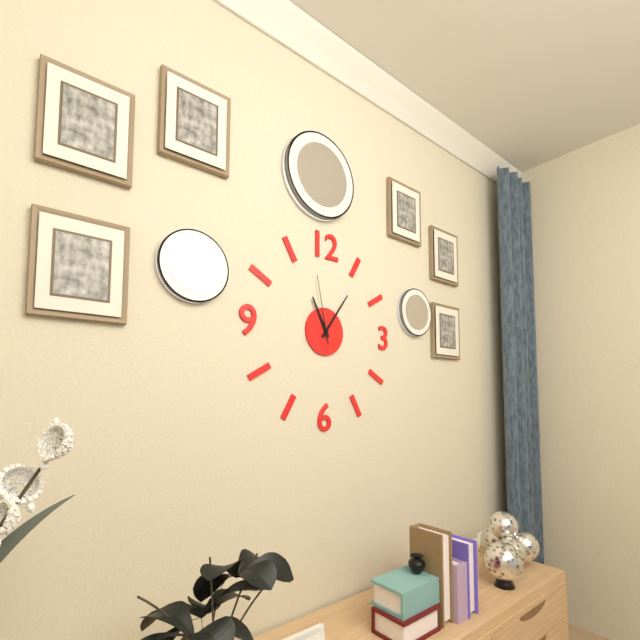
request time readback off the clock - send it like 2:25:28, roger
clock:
11:06:58
